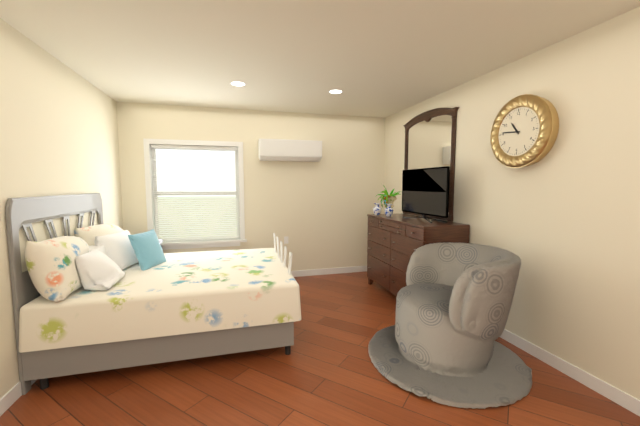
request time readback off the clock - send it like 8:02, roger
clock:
10:46
